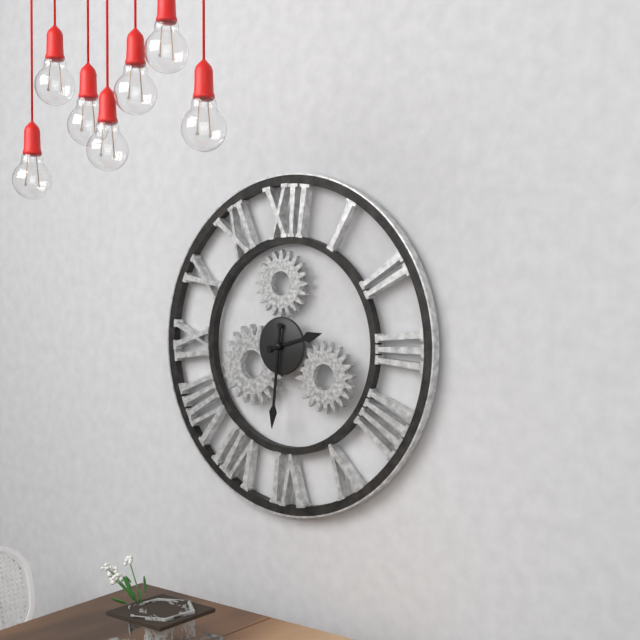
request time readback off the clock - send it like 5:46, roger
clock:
2:31
